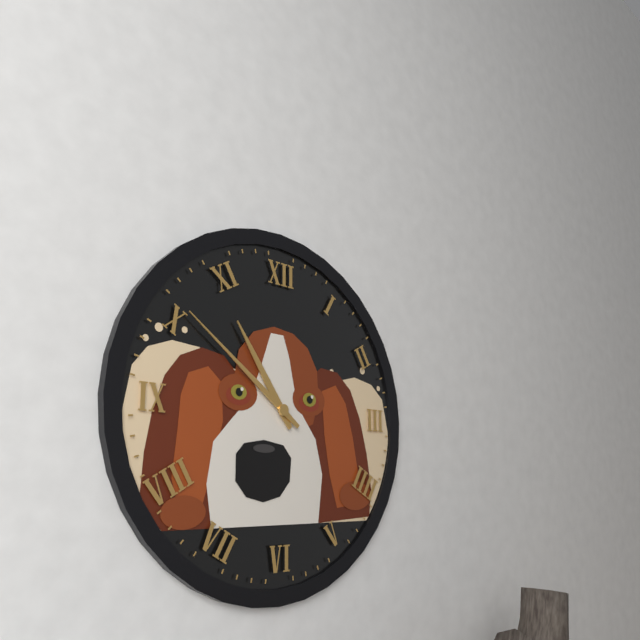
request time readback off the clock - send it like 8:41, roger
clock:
10:51
